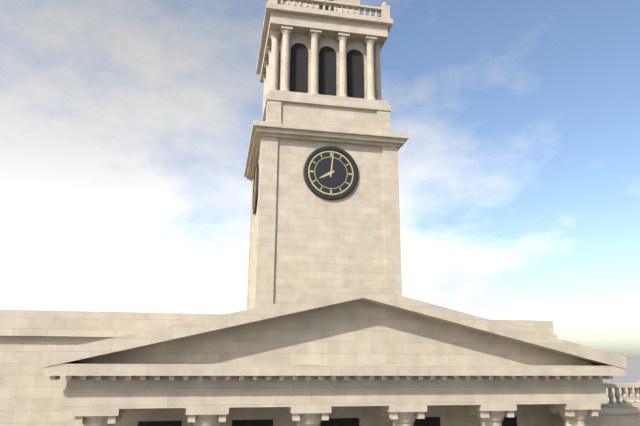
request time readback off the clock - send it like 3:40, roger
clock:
8:01
